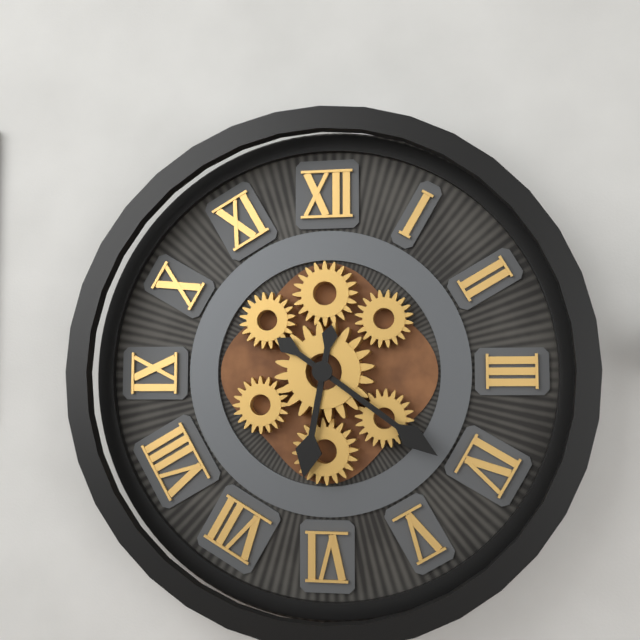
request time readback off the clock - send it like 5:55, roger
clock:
6:21
